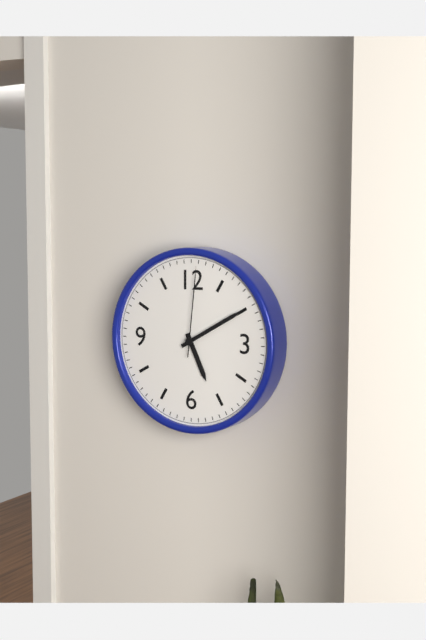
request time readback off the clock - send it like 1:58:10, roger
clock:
5:10:01
